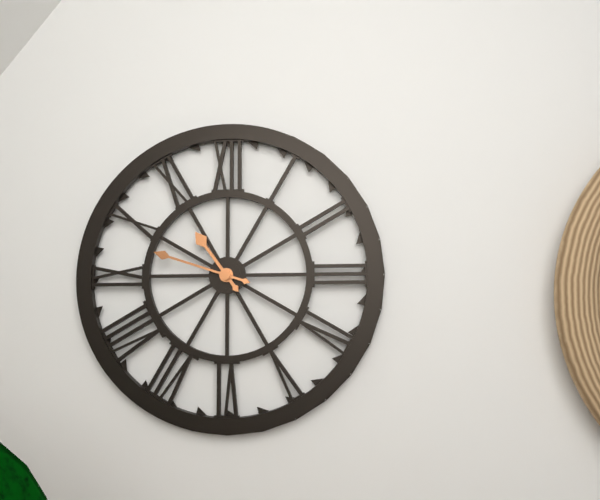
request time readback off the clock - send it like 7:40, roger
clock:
10:48
